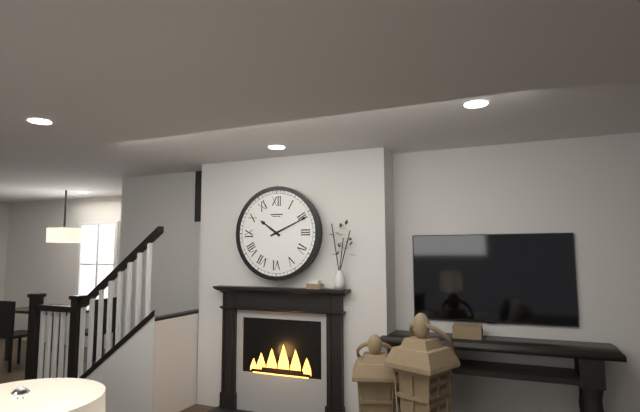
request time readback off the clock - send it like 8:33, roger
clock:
10:11
